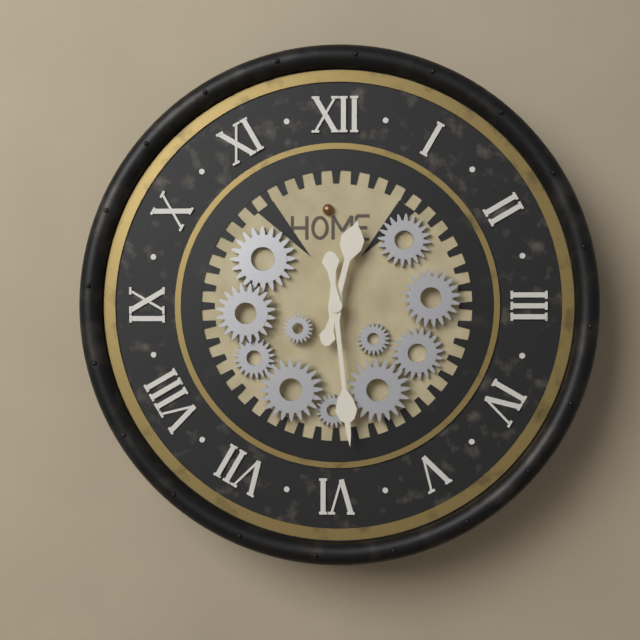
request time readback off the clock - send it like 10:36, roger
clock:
12:29
